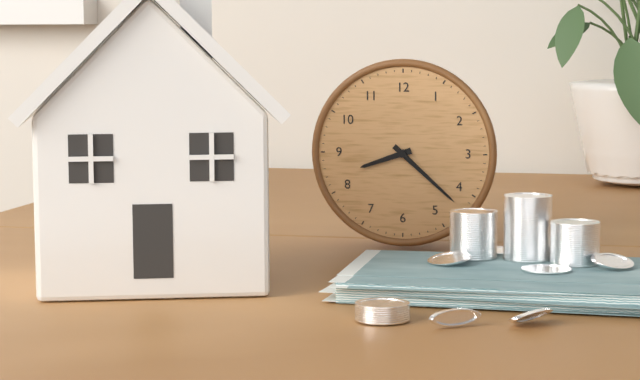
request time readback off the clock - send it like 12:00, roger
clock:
8:22
